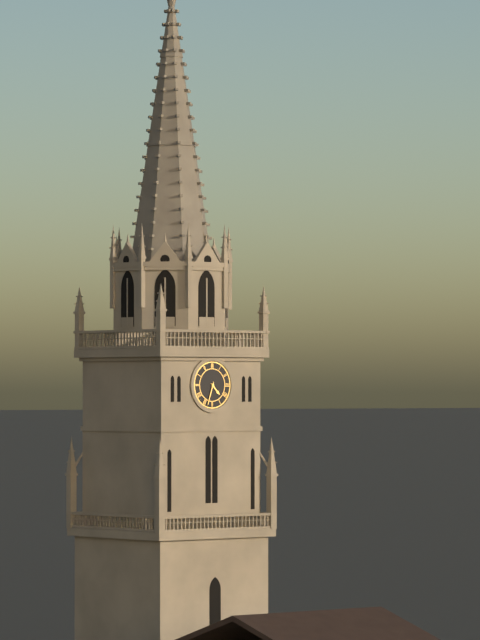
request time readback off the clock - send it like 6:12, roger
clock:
4:33
